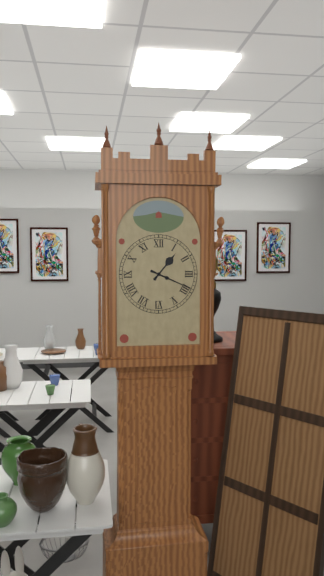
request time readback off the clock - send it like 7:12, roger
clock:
1:19
